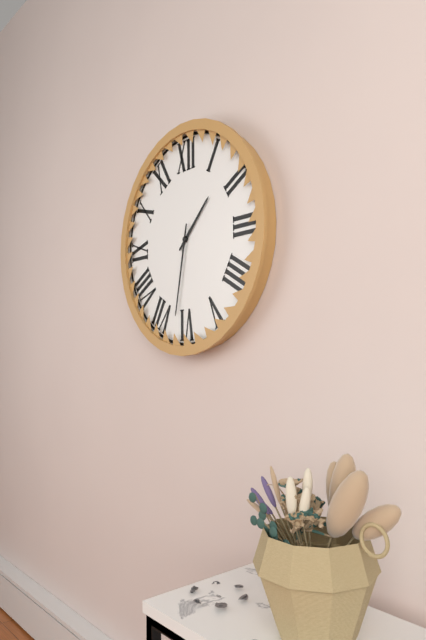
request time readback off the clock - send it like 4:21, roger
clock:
1:32
